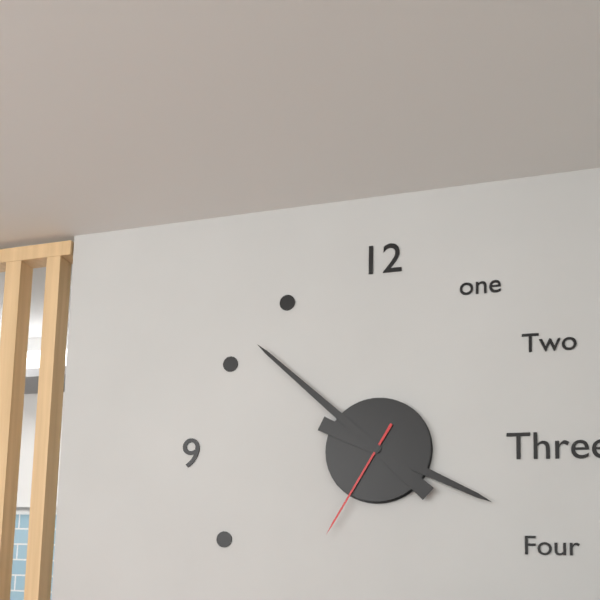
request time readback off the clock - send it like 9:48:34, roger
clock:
3:52:35
